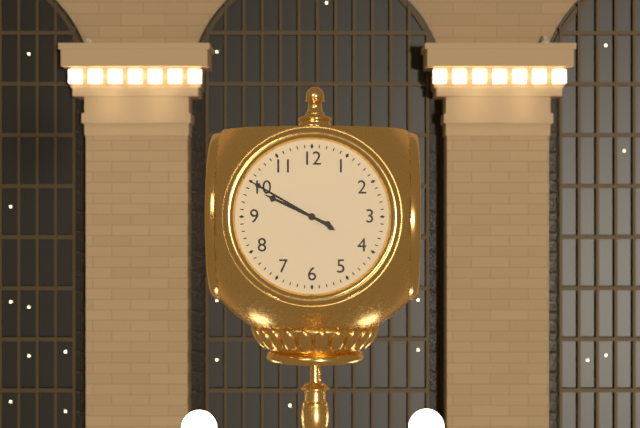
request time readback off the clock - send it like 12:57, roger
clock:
9:50
